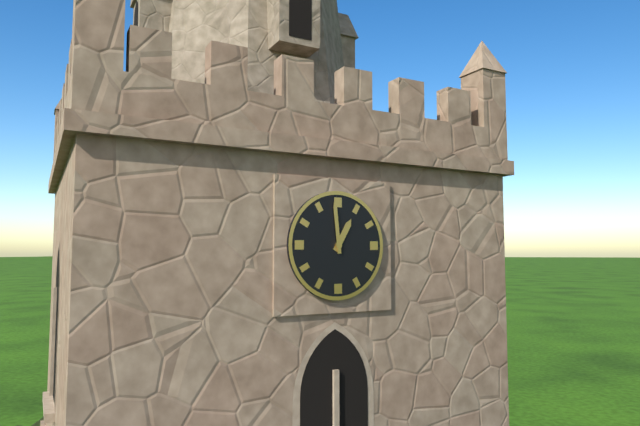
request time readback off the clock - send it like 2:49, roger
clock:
12:59
